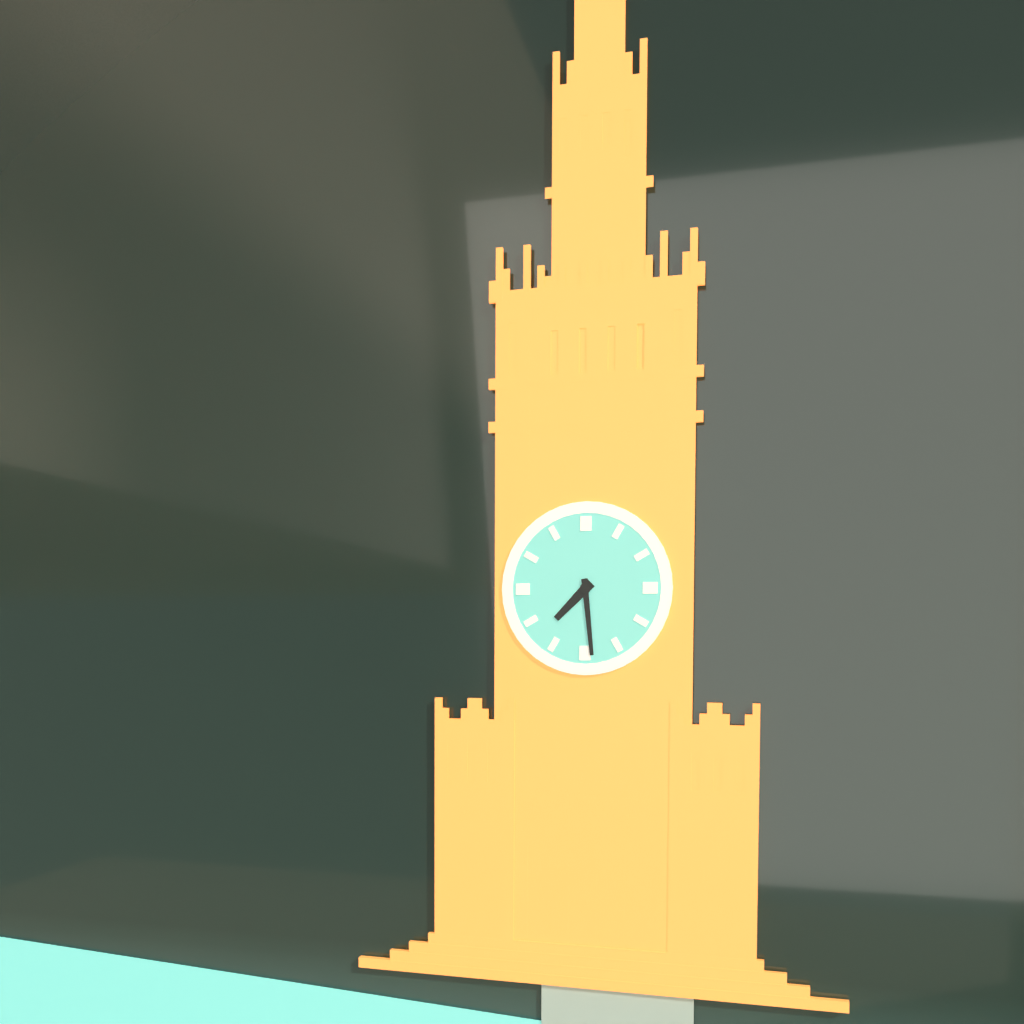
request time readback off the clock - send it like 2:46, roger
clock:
7:29
